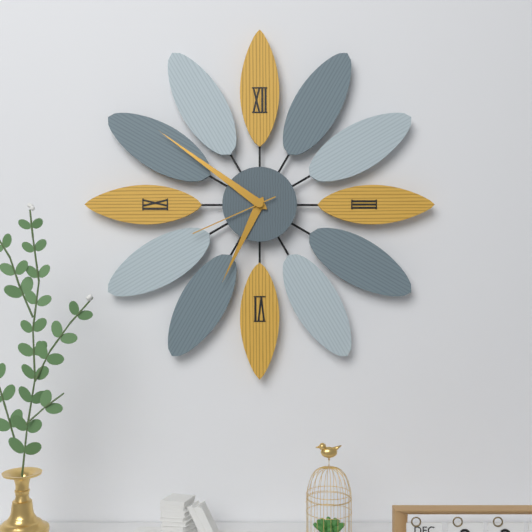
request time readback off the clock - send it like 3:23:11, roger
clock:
6:51:41
